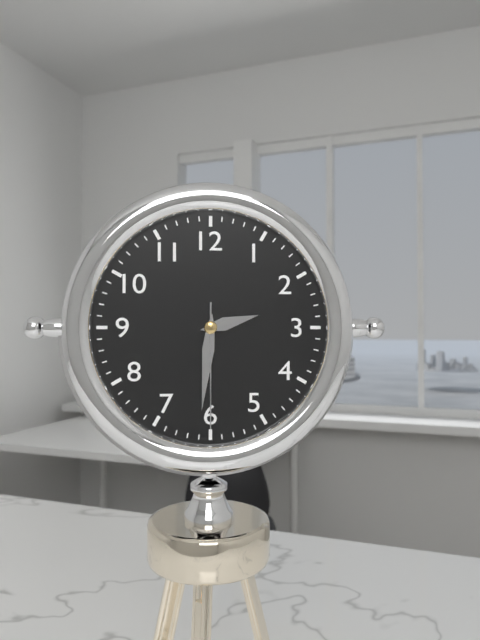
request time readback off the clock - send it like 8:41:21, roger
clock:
2:31:30
